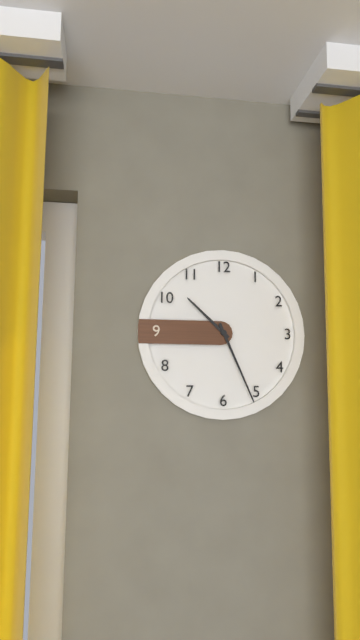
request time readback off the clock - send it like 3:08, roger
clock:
10:26
